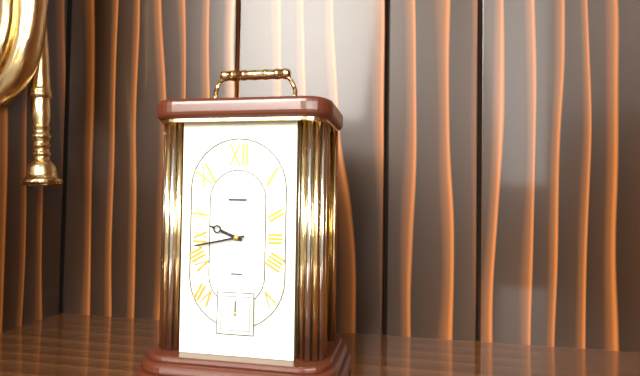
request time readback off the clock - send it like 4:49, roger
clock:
9:43
